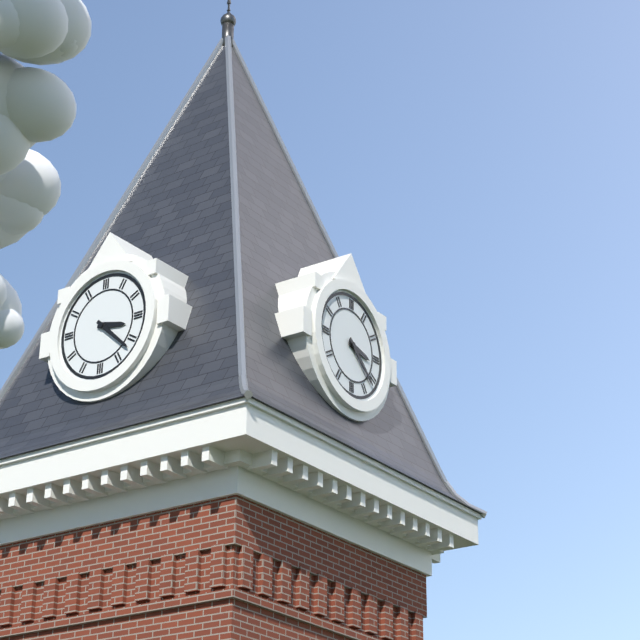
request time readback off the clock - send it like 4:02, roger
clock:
3:22
